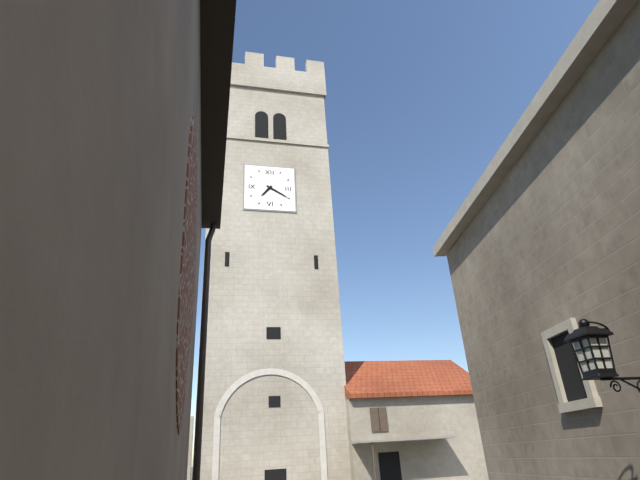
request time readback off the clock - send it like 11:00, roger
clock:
7:20
